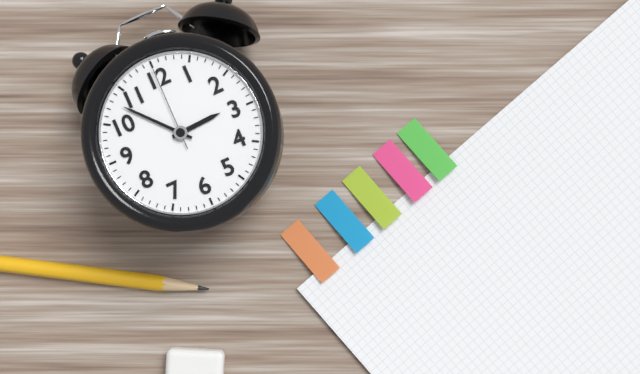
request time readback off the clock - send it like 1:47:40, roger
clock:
2:53:00
